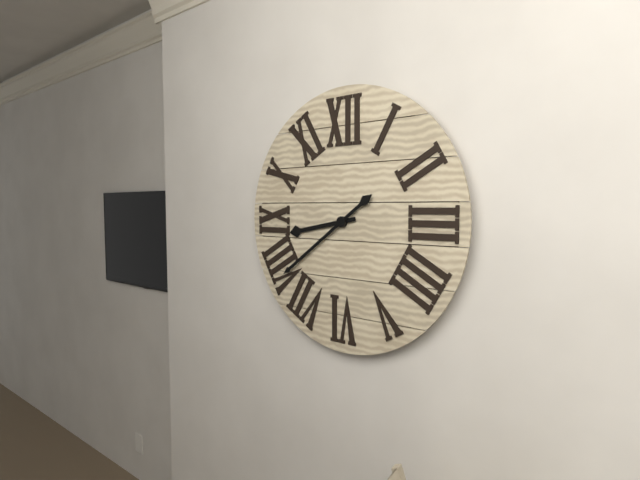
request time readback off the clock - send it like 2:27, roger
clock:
8:39
